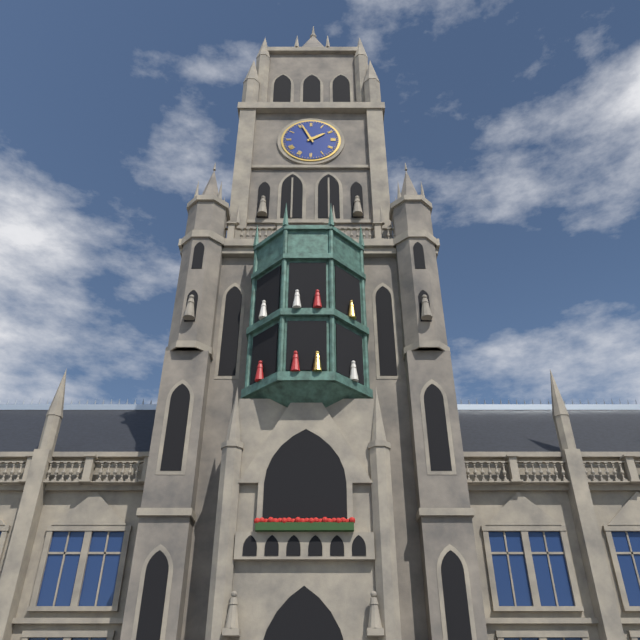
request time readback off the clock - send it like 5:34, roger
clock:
1:56
